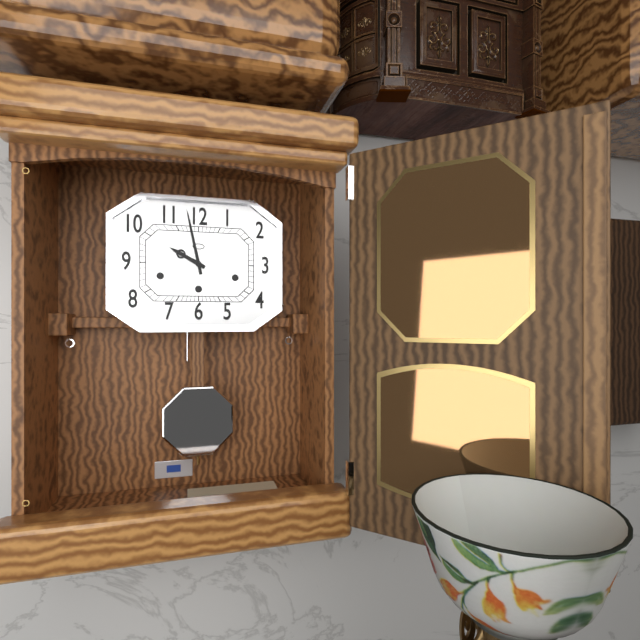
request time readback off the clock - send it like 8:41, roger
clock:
9:58
